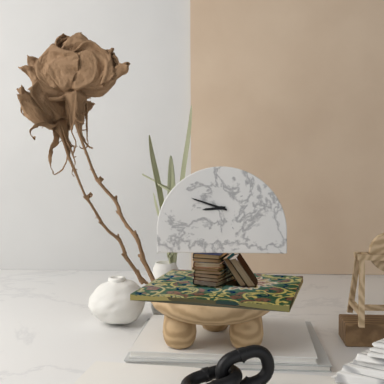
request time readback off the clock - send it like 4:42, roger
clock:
8:48
